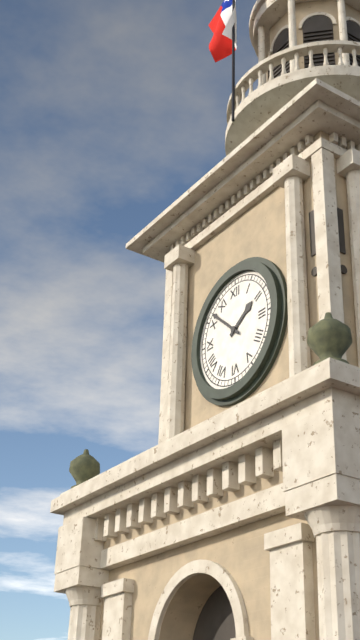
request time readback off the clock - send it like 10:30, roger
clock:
1:52
